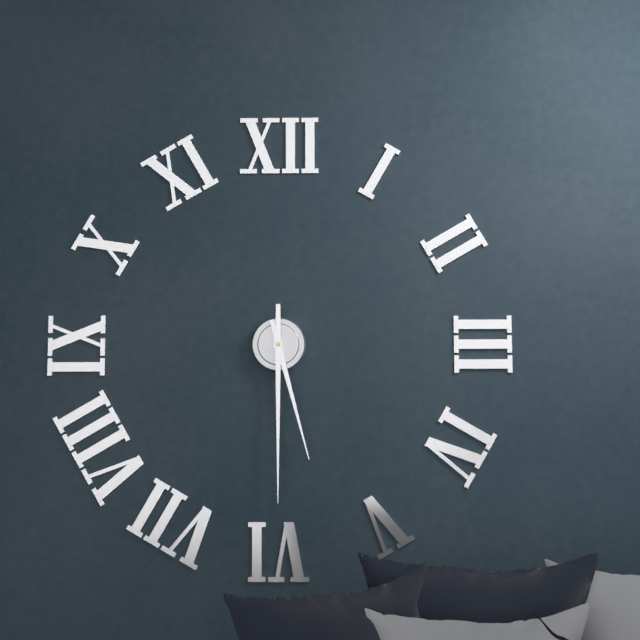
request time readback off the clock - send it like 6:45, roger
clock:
5:30
